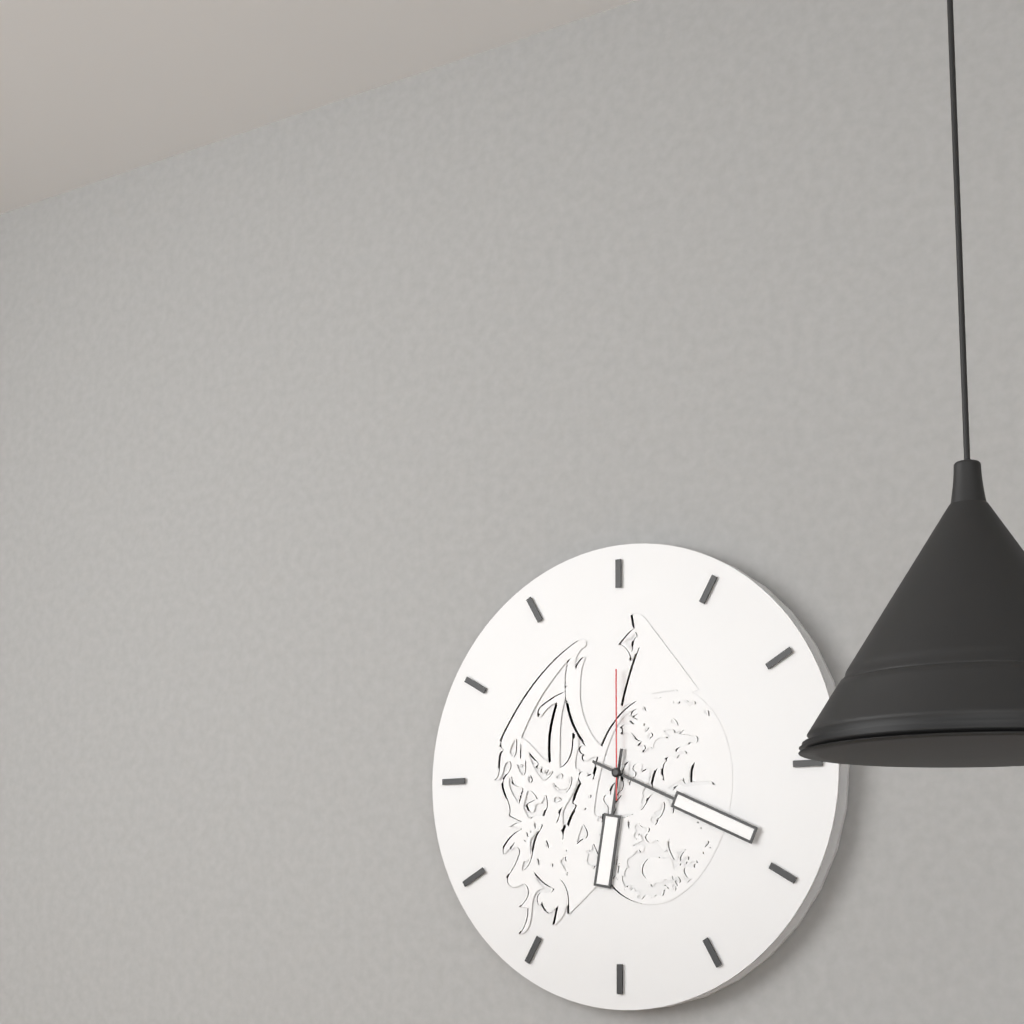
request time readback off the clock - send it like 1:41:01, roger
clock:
6:19:00
